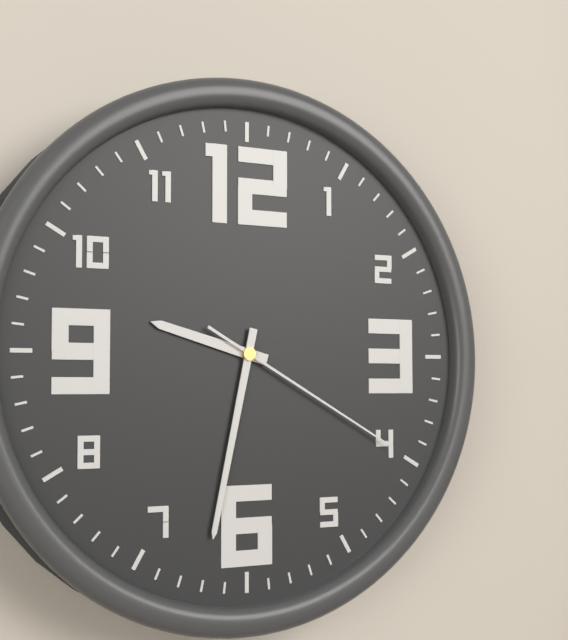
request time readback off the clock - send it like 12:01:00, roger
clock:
9:32:20
